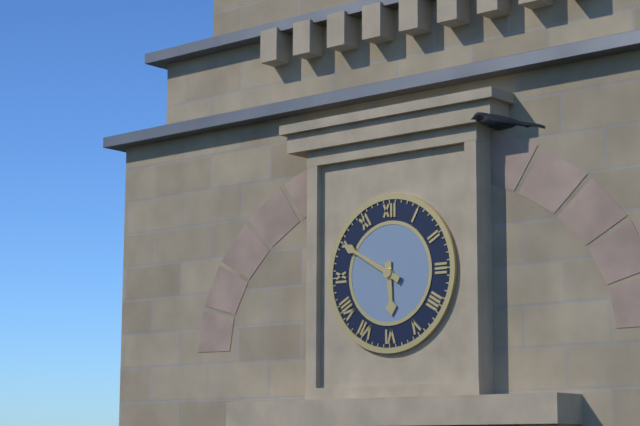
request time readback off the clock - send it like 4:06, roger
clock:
5:50
